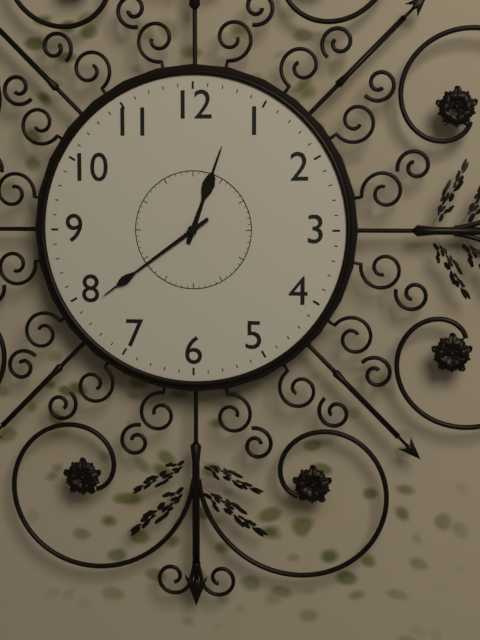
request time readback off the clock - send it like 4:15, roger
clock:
12:39
